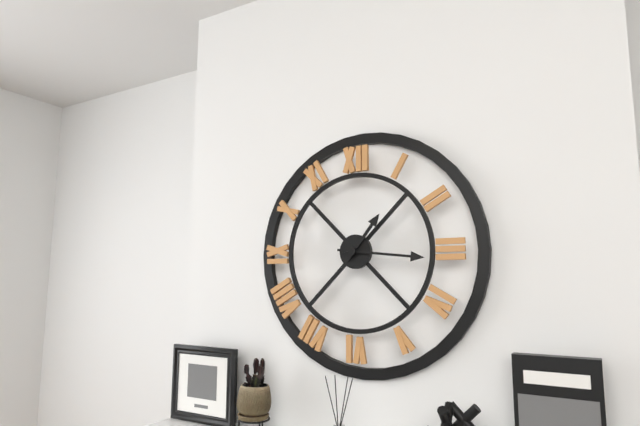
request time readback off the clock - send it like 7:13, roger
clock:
1:16
